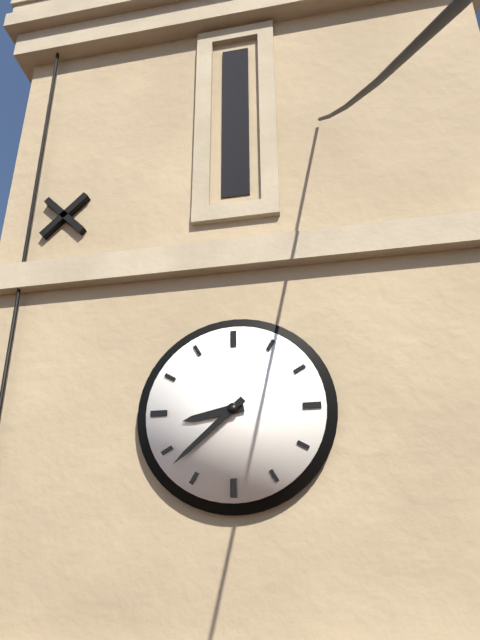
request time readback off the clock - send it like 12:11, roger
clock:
8:38
